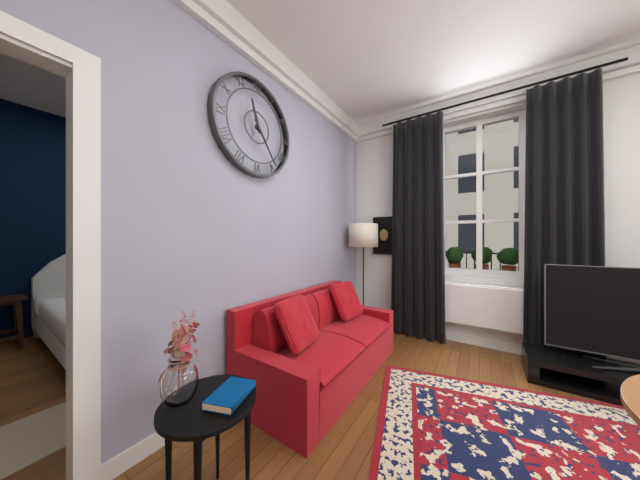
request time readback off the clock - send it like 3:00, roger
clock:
11:24
